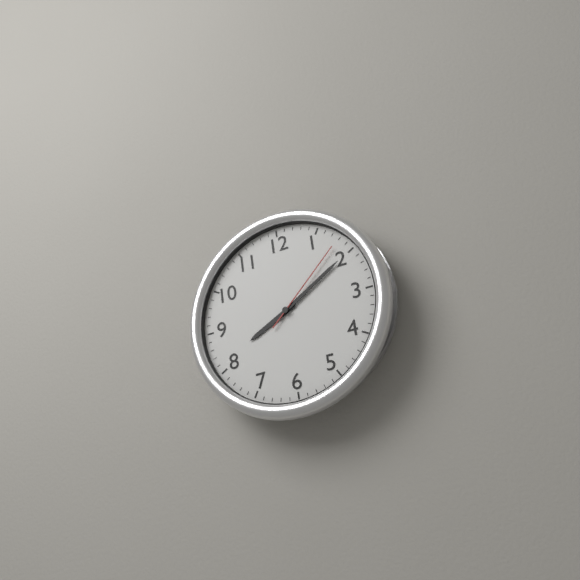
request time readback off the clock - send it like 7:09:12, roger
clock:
8:10:08
